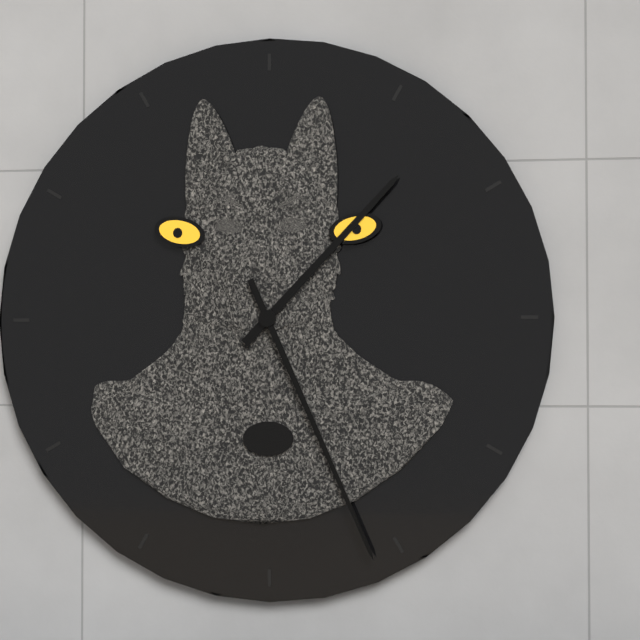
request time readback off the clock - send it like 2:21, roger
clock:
1:26
